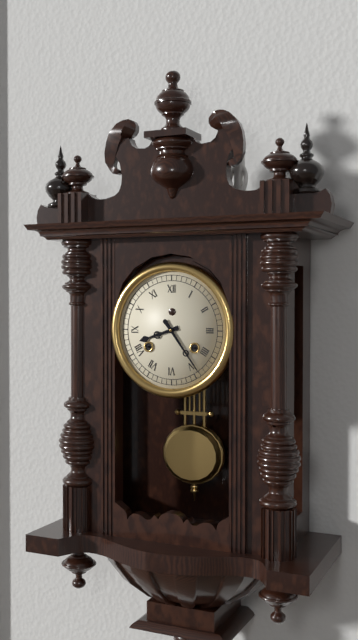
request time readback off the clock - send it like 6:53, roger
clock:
8:24
